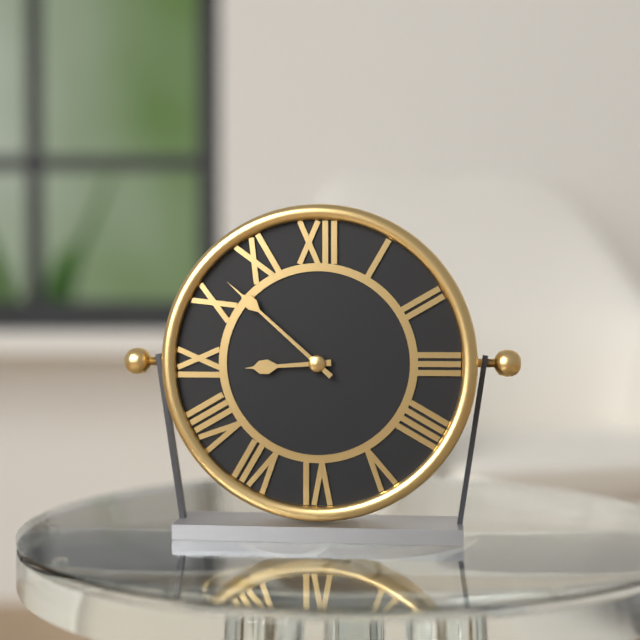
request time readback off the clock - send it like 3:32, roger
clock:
8:52
